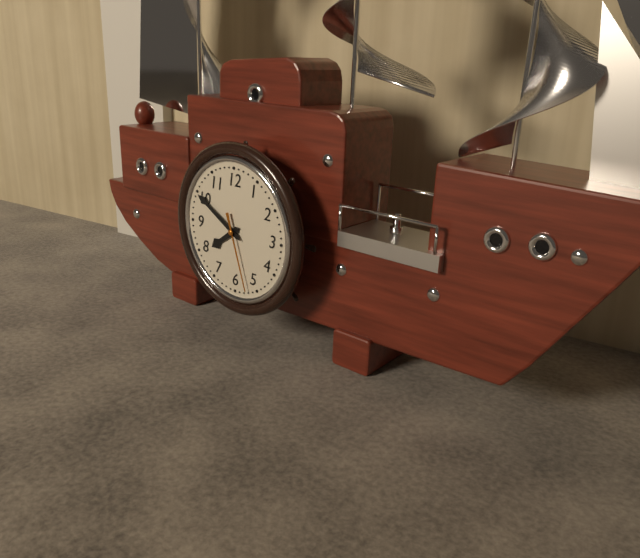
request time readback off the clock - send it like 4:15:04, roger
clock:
7:50:27
